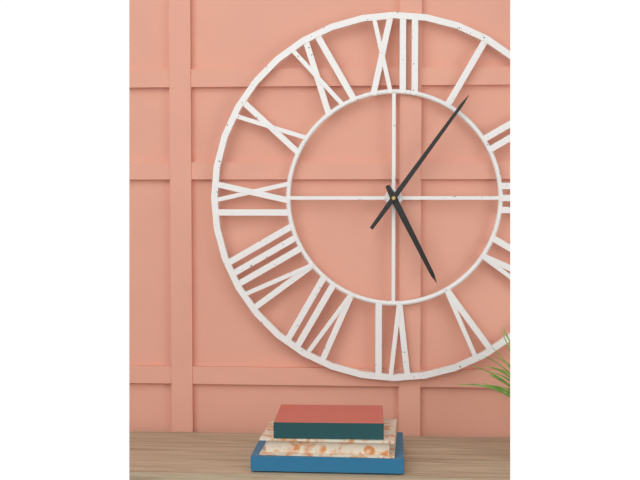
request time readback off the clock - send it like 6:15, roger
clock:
5:06
